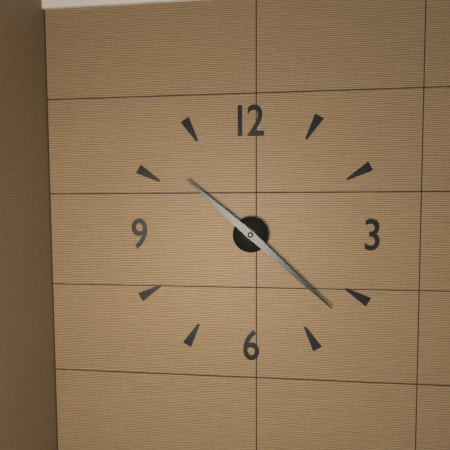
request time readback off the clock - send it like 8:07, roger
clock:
10:22
